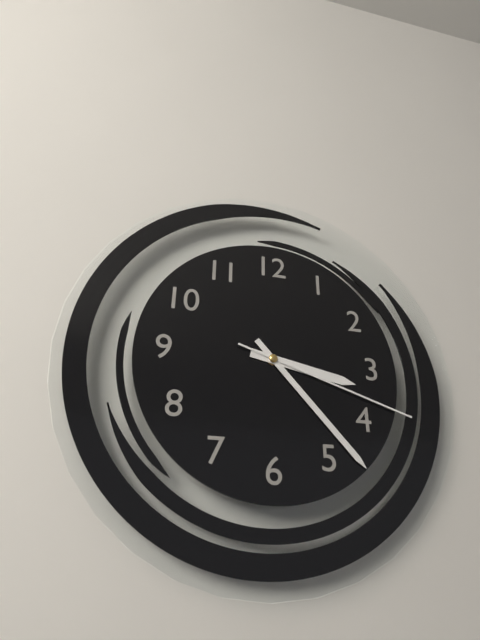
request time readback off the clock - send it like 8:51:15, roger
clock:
3:23:18
